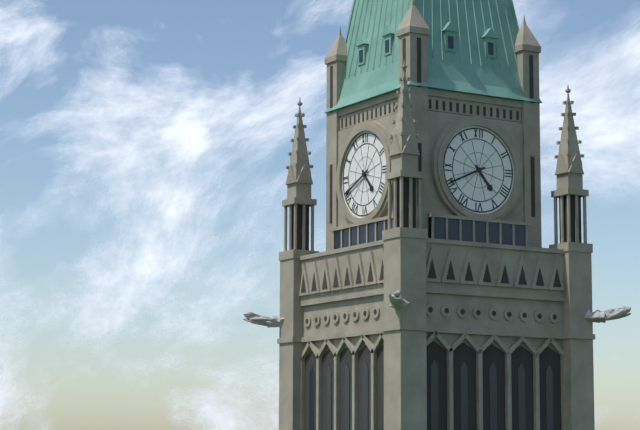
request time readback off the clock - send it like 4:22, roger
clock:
4:41
